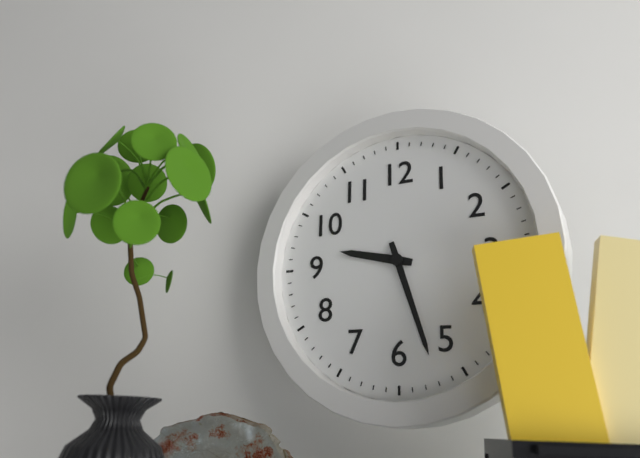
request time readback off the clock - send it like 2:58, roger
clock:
9:27
